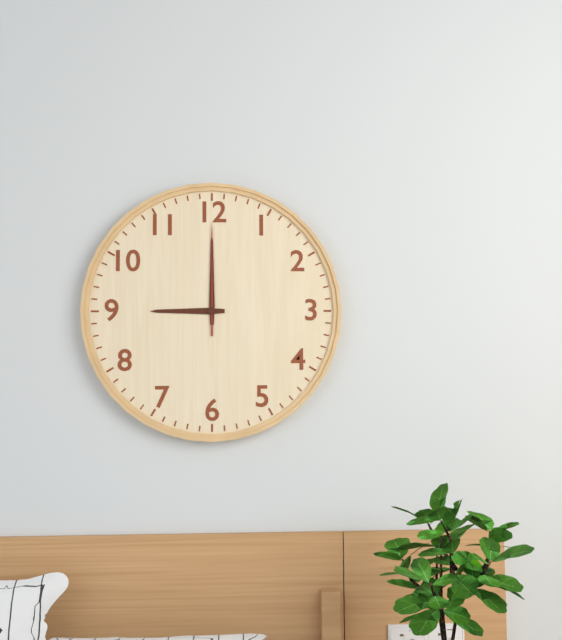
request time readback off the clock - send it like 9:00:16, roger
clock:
9:00:00
